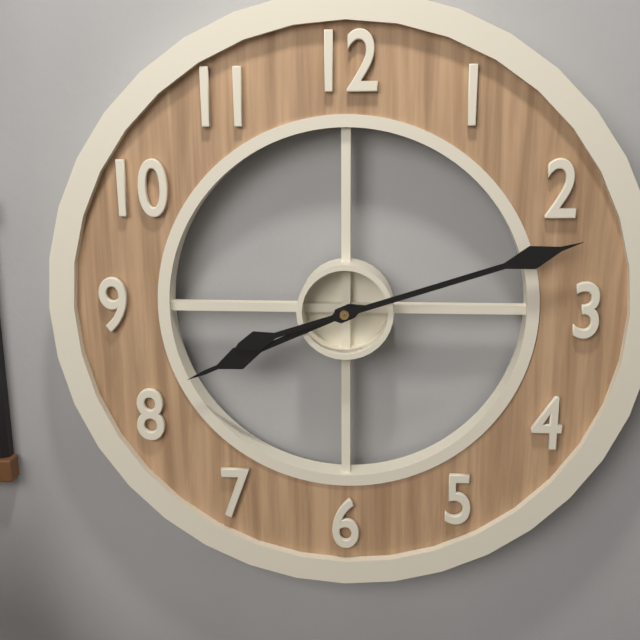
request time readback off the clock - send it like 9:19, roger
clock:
8:12
